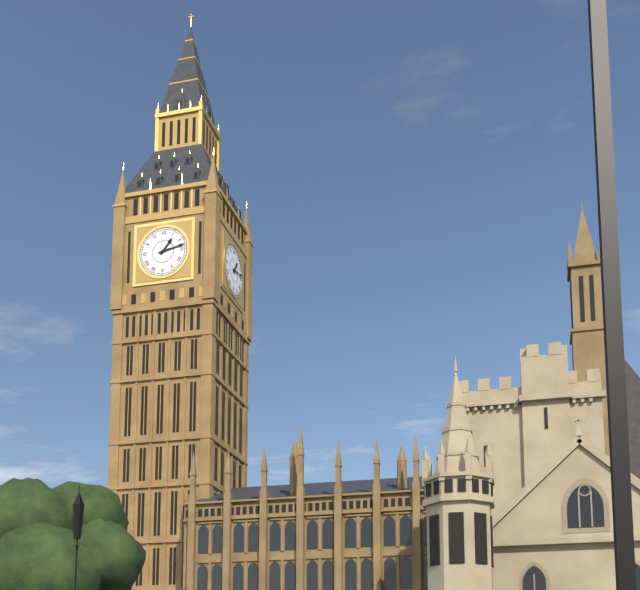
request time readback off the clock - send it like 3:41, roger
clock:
1:13
